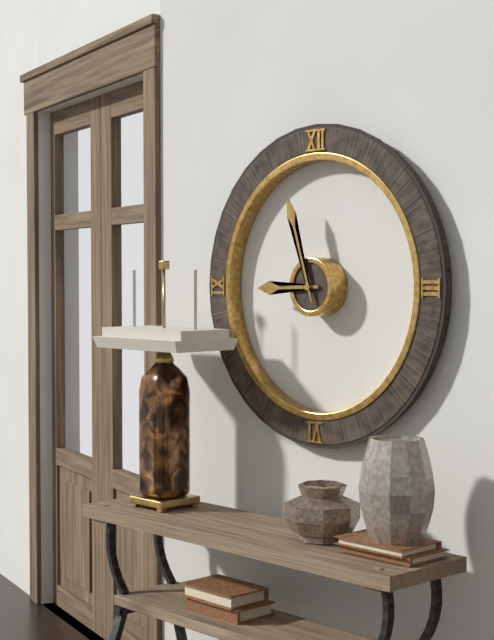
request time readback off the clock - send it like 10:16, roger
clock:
8:57
